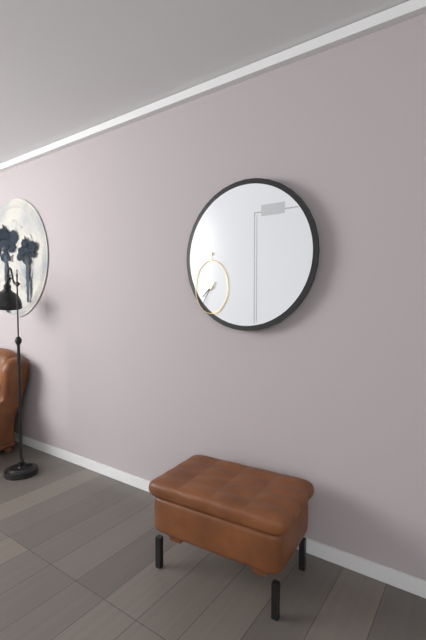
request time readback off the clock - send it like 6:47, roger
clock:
7:35
